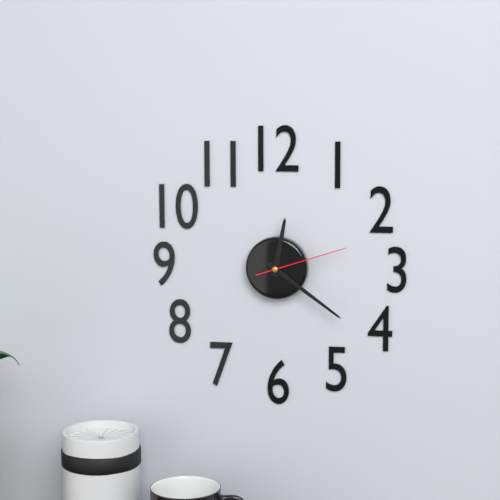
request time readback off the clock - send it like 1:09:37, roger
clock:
12:21:12
